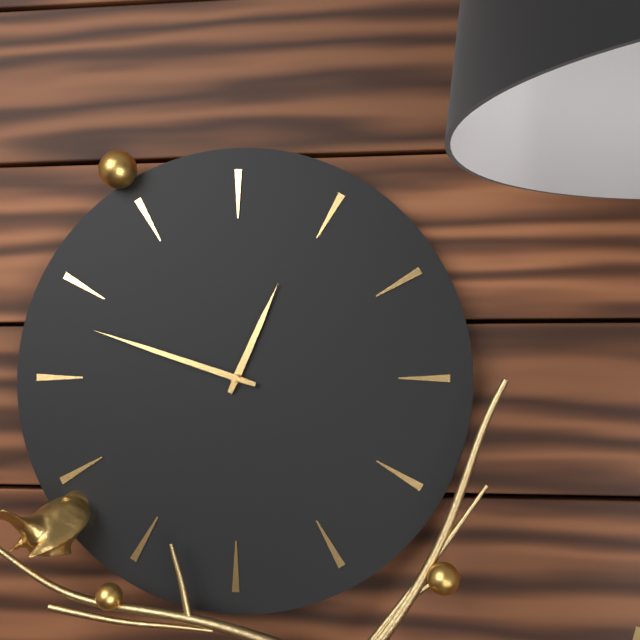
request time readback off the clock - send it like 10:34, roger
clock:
12:48
